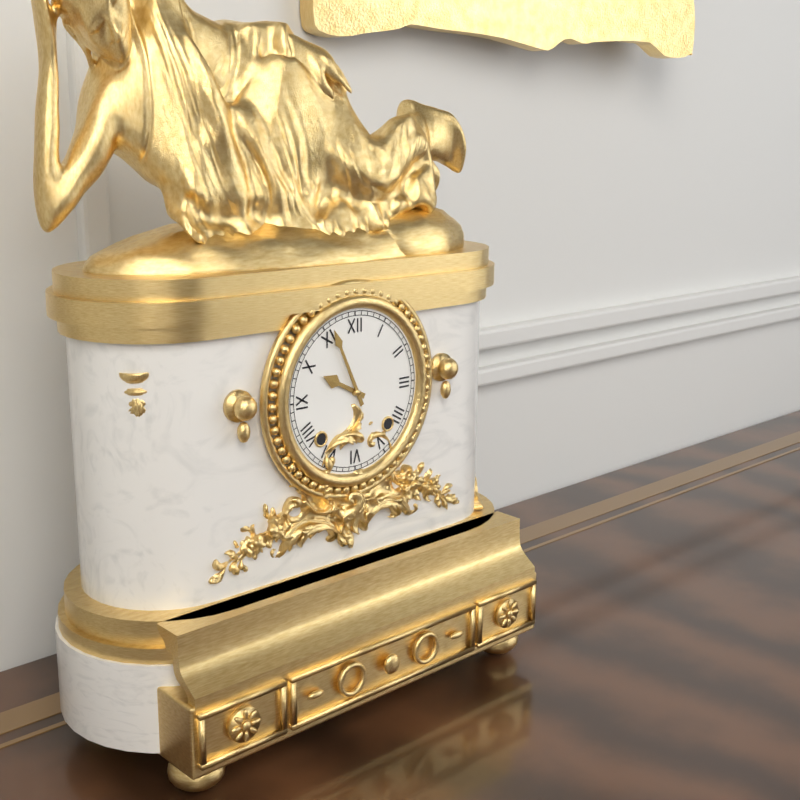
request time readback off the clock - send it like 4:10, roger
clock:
9:56
